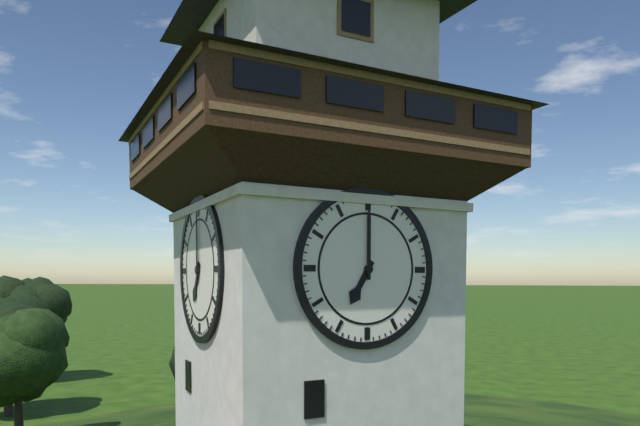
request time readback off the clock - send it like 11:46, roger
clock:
7:00
